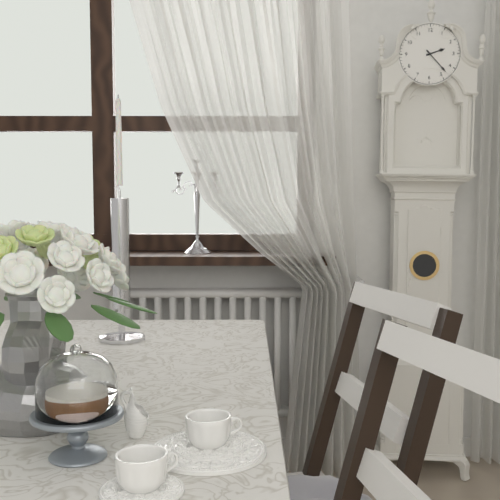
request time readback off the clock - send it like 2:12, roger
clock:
2:23
